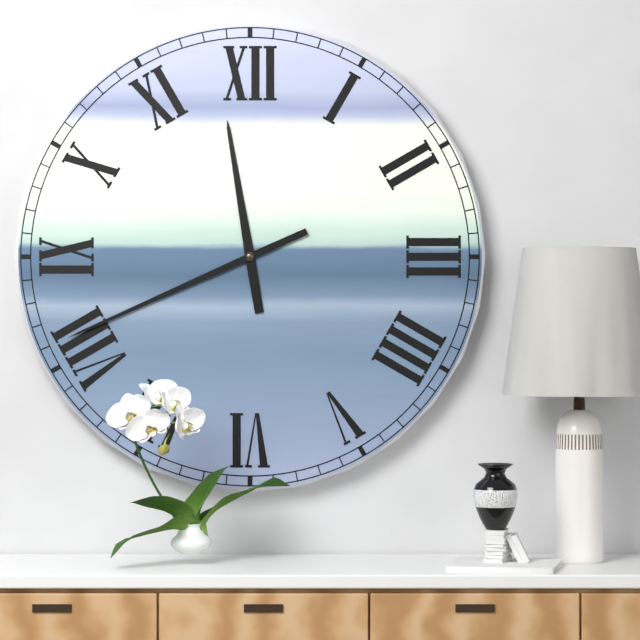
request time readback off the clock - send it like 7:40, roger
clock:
11:41
